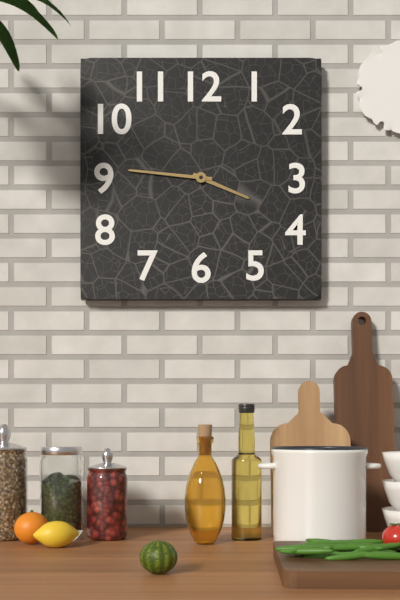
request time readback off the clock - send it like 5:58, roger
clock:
3:46
